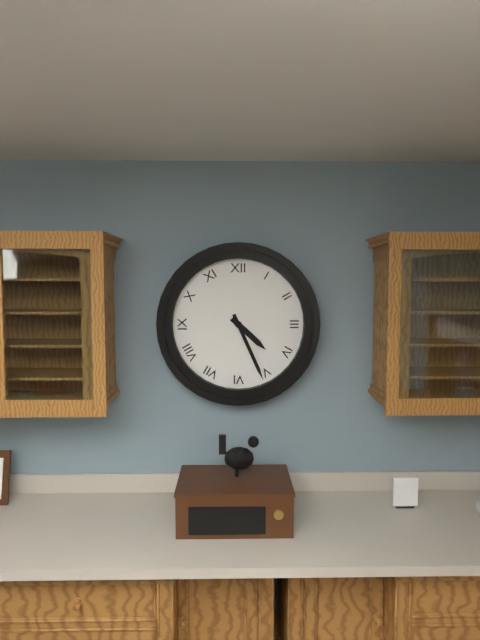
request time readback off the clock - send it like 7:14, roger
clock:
4:26
